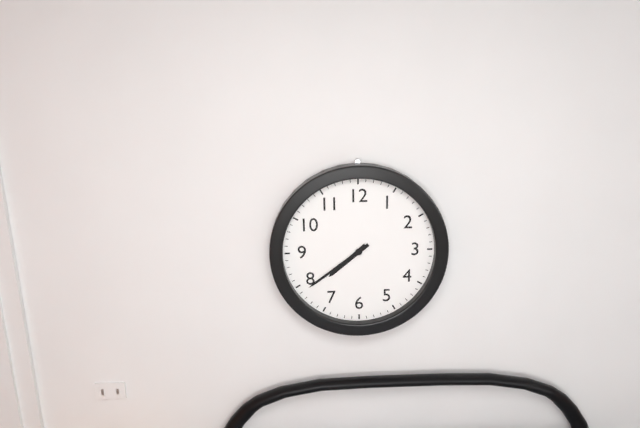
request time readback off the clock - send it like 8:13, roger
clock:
7:39
